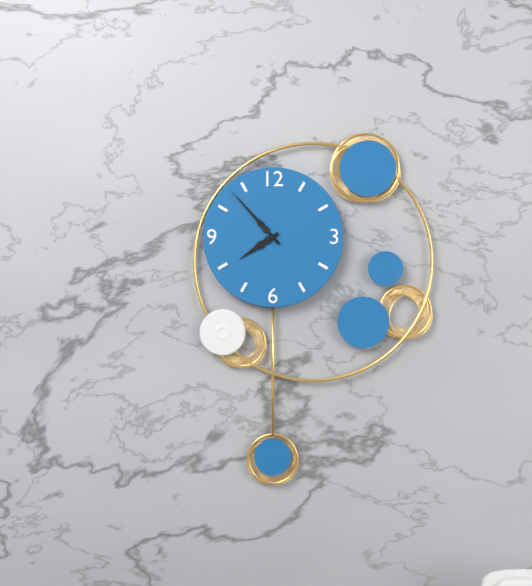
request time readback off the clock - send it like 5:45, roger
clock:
7:53
